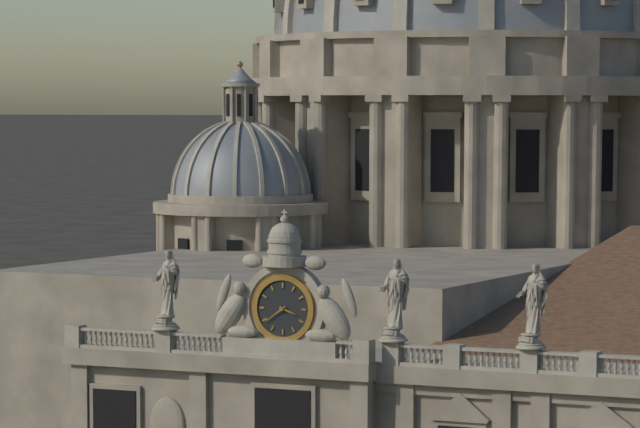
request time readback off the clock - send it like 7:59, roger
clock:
3:39
